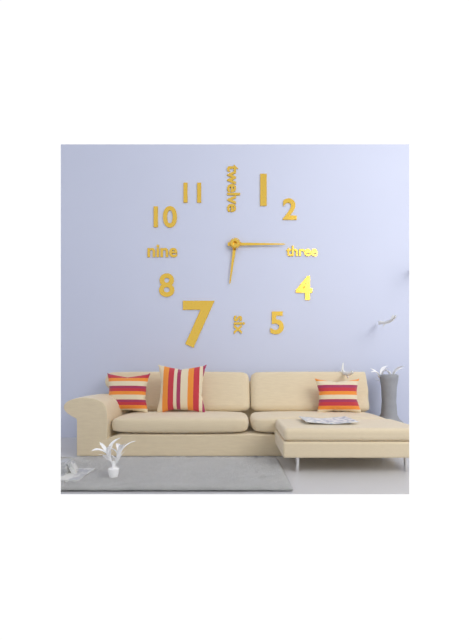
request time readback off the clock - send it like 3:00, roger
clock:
6:15
